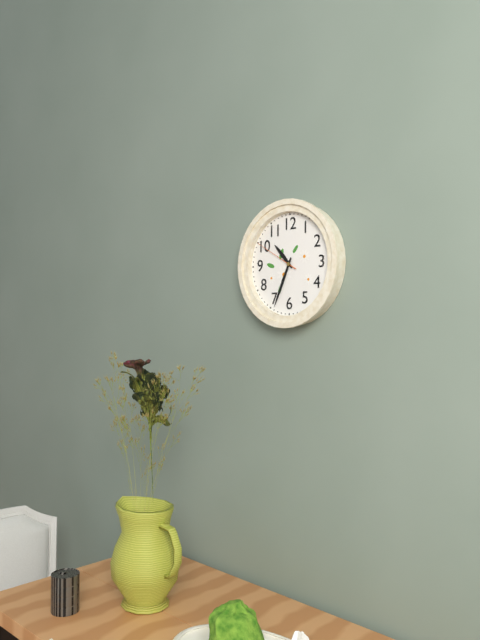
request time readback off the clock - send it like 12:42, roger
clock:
10:34
